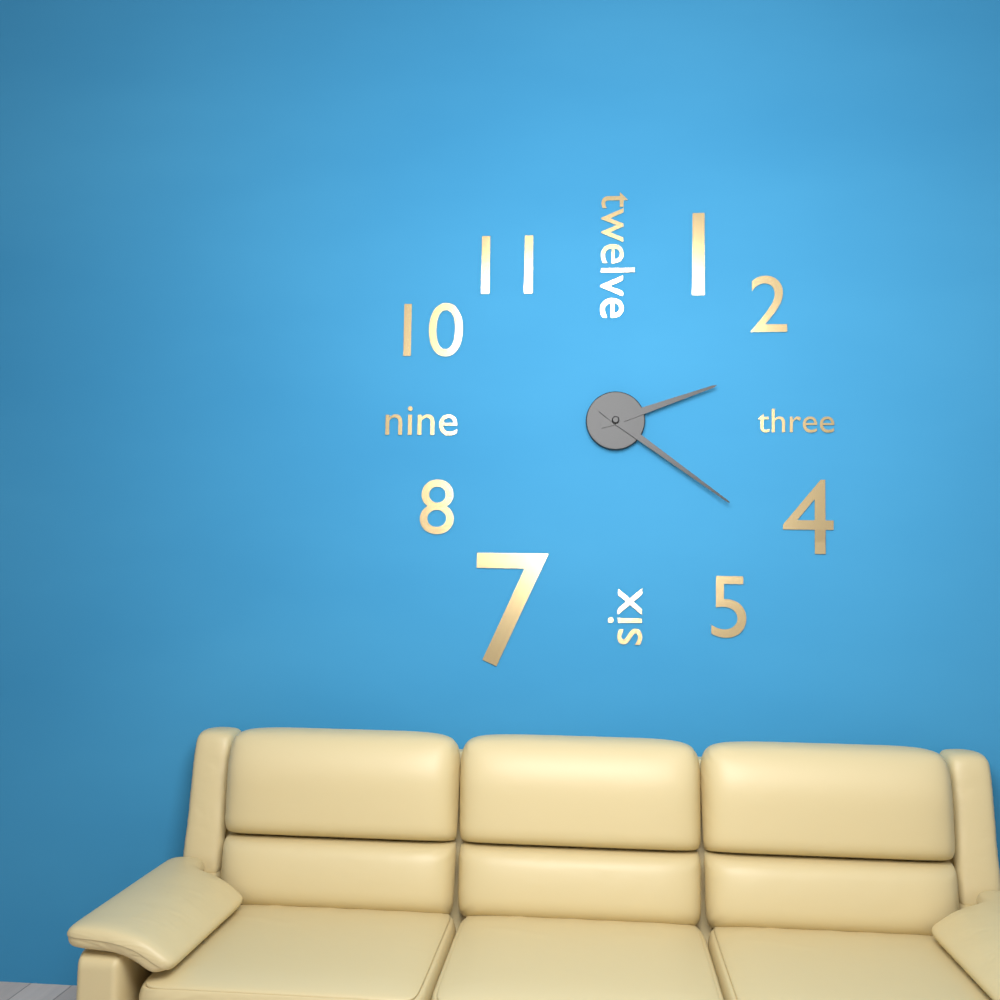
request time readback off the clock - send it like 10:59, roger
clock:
2:21
